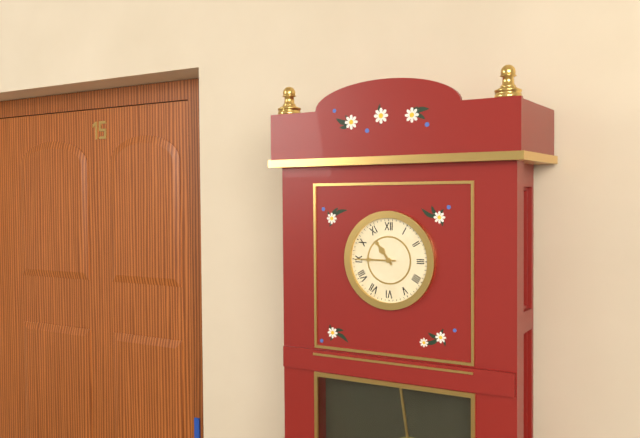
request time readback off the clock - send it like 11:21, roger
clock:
10:45
